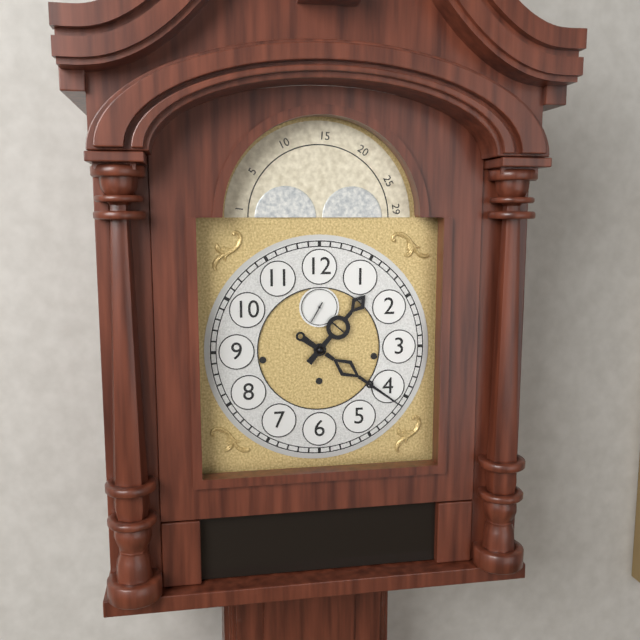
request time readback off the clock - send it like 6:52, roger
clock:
1:21
